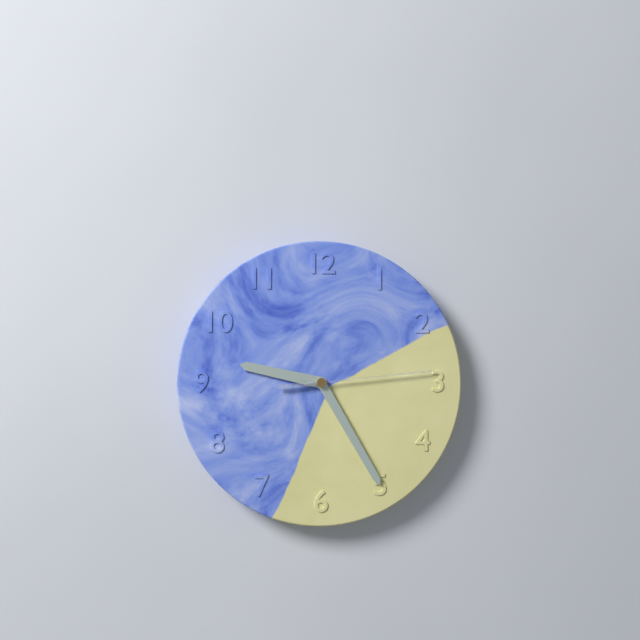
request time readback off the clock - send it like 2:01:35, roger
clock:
9:25:14
